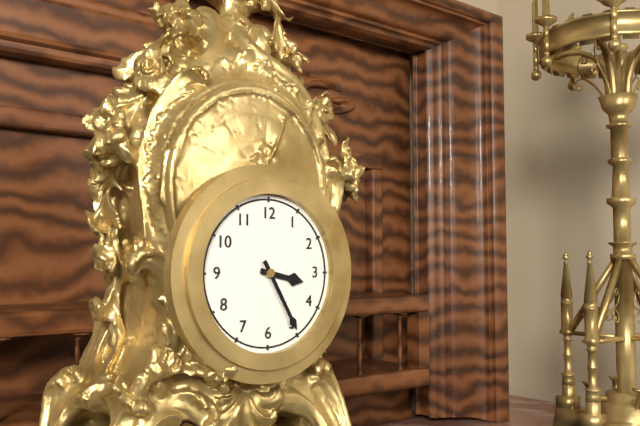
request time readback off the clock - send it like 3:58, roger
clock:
3:25
